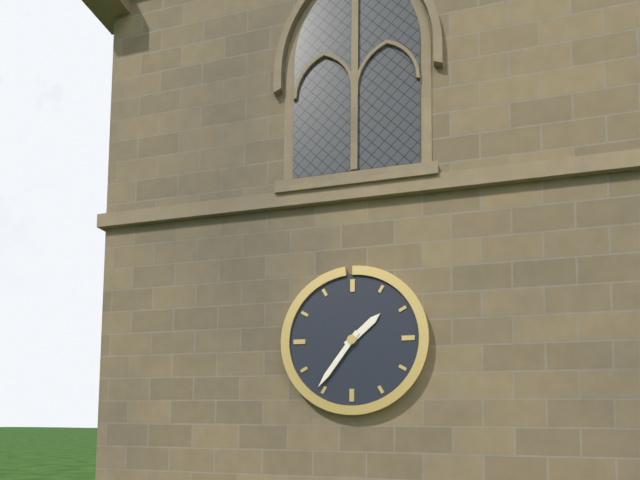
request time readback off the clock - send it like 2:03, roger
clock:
1:36
